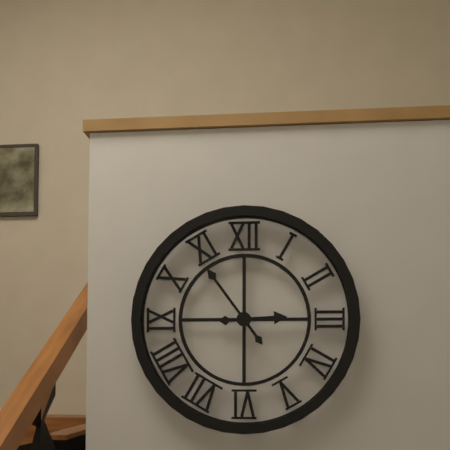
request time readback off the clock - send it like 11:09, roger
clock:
2:54
